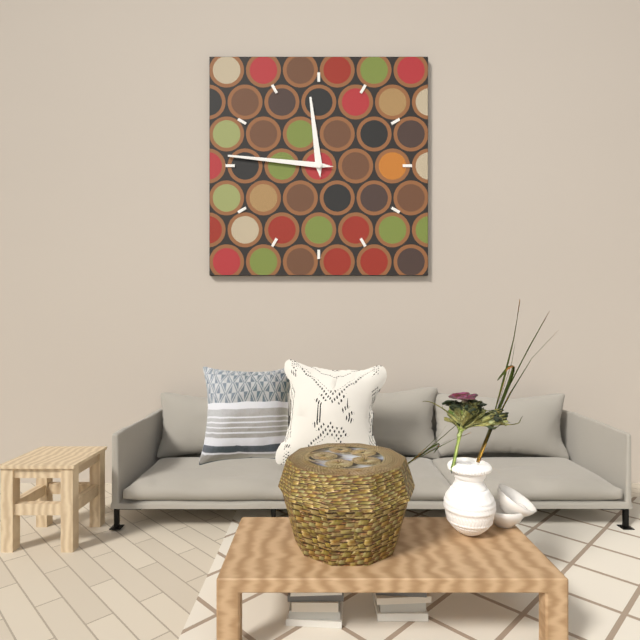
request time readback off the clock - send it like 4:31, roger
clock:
11:46
